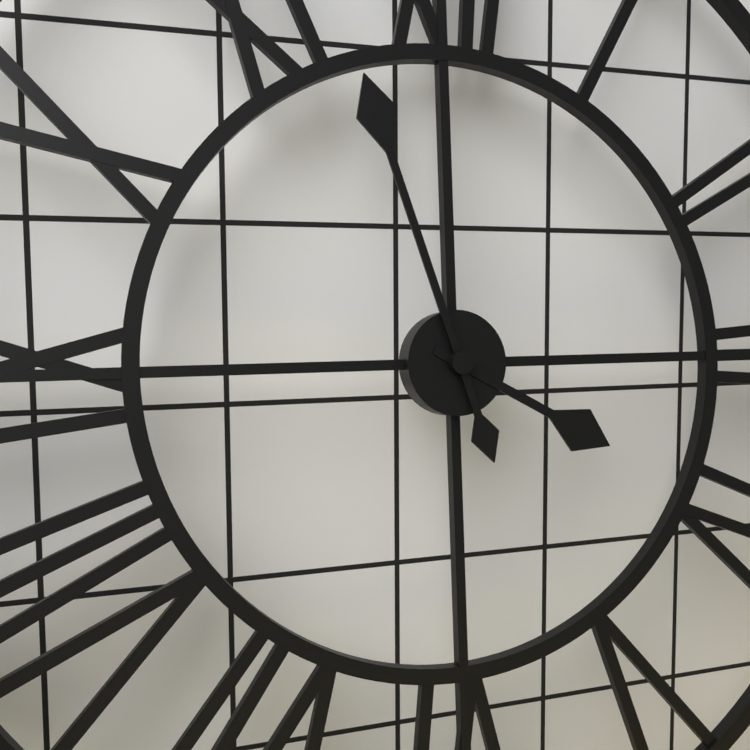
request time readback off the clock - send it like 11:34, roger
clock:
3:57
